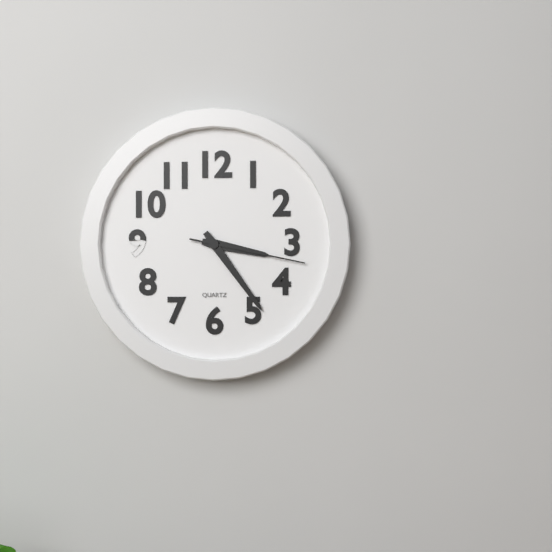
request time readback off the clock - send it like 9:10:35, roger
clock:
3:24:17
